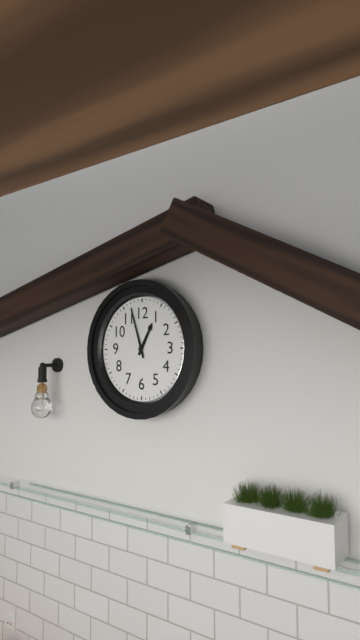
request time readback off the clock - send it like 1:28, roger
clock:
12:57
